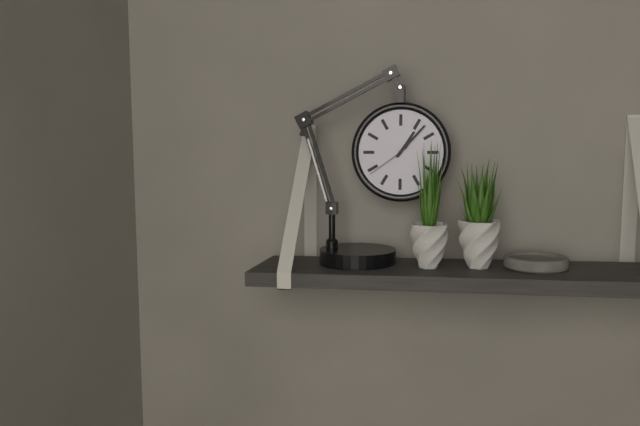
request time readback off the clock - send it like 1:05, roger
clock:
1:07
